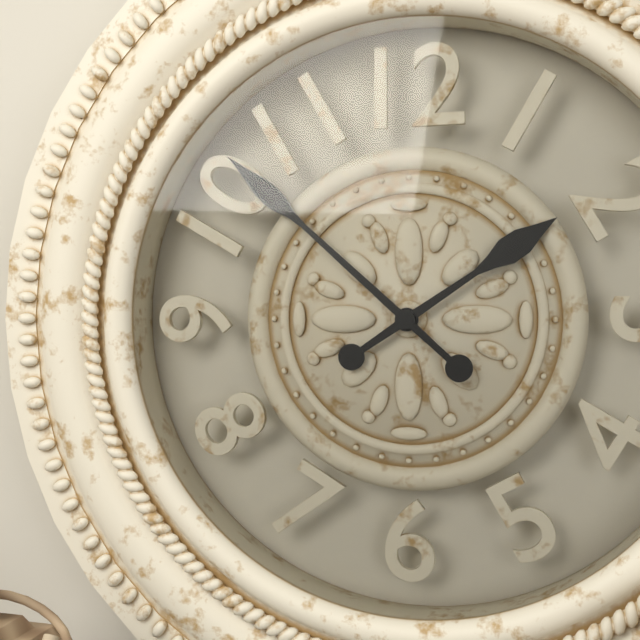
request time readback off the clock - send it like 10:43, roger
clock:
1:52
